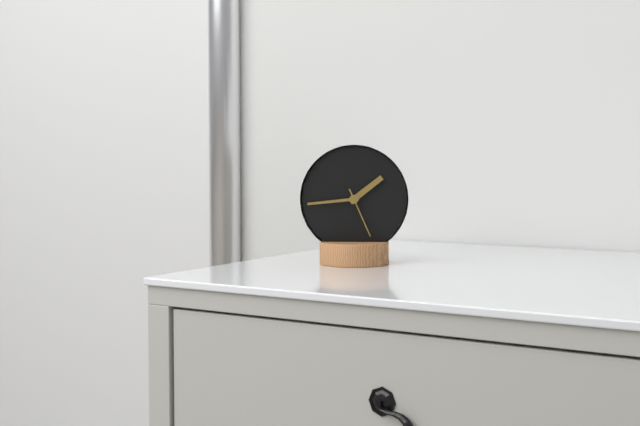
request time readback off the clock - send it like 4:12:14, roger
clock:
1:44:26
